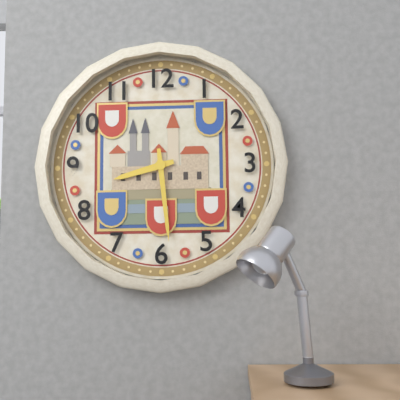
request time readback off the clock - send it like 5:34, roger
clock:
8:29
